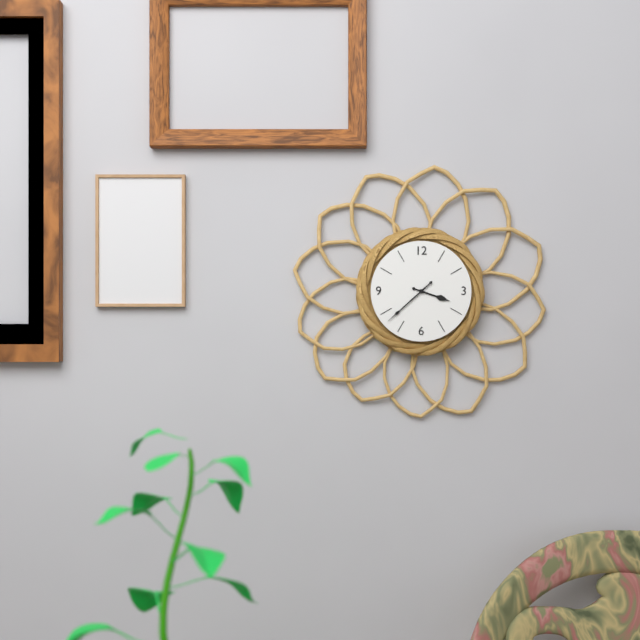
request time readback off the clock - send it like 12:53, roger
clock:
3:38
